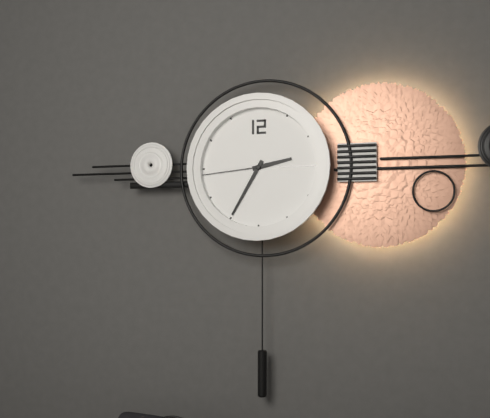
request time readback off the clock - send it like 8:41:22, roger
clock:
2:35:44
